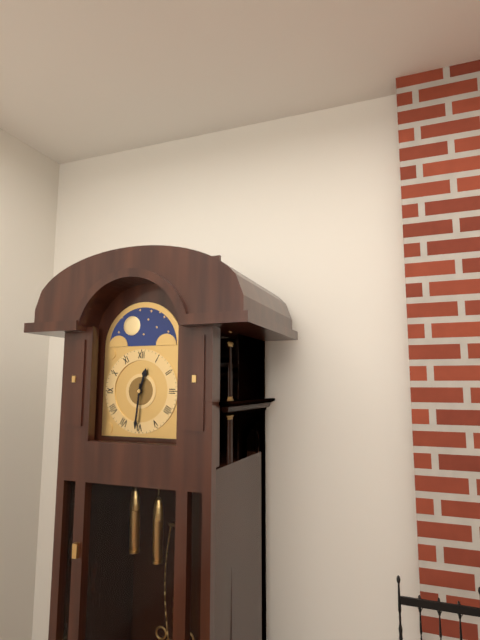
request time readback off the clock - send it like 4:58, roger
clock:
12:31
